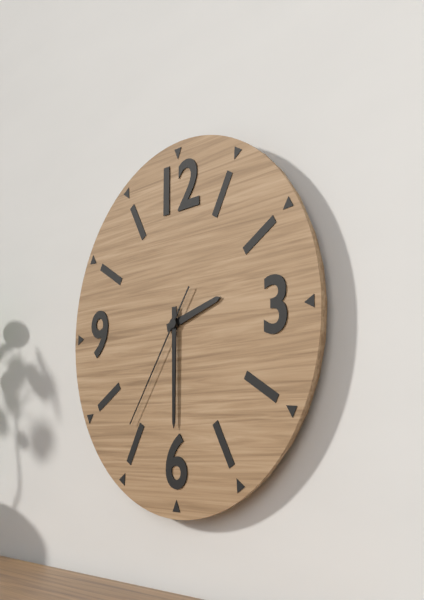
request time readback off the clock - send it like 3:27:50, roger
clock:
2:30:36
